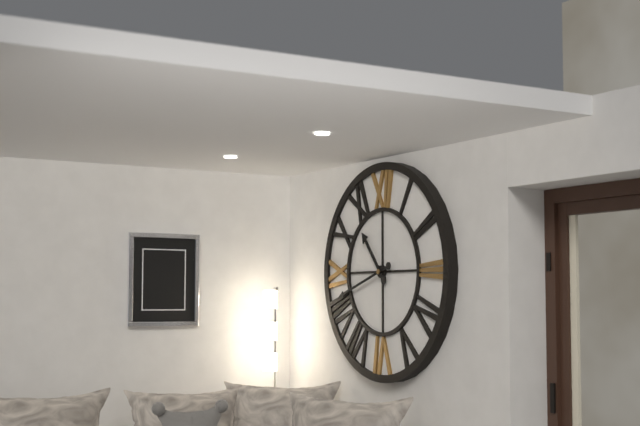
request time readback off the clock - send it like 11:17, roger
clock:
10:42
